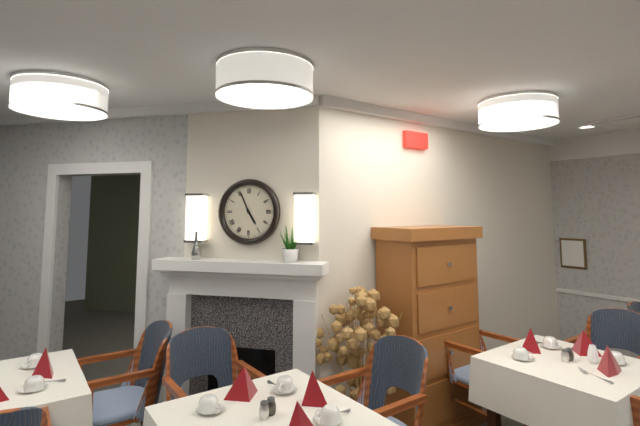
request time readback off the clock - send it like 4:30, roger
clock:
4:56
